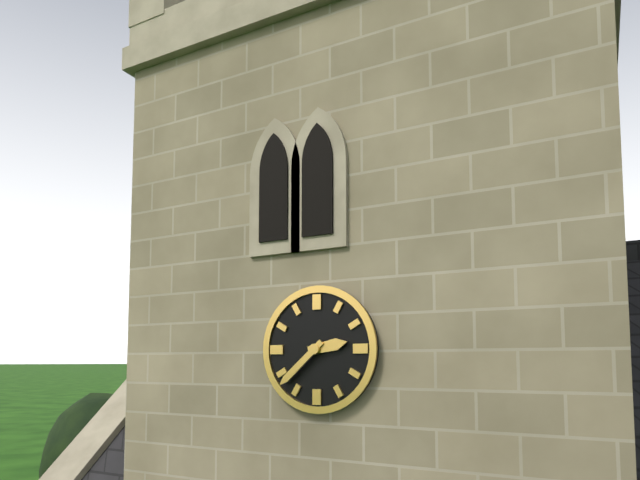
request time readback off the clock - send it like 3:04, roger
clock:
2:38
